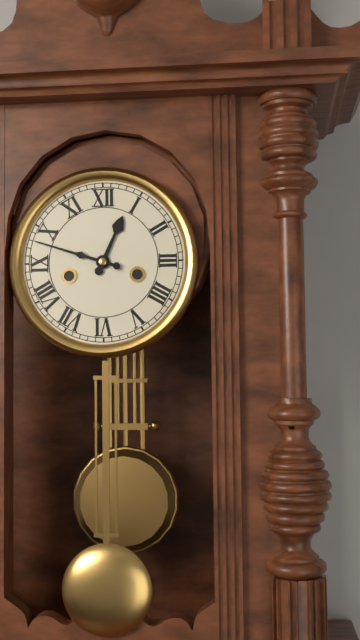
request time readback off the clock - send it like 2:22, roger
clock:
12:48
